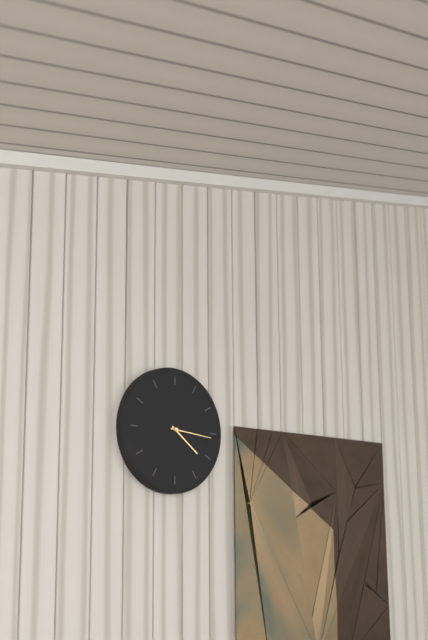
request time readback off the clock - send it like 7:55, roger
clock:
4:16
